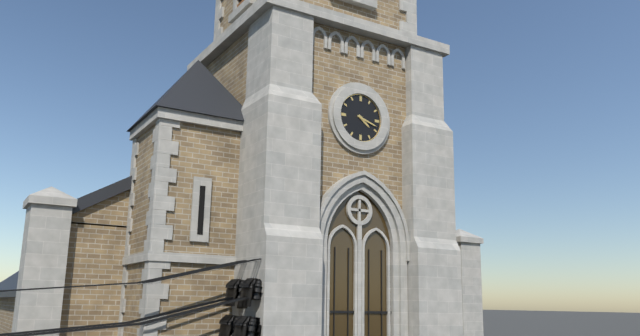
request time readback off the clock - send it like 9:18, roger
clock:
4:18
